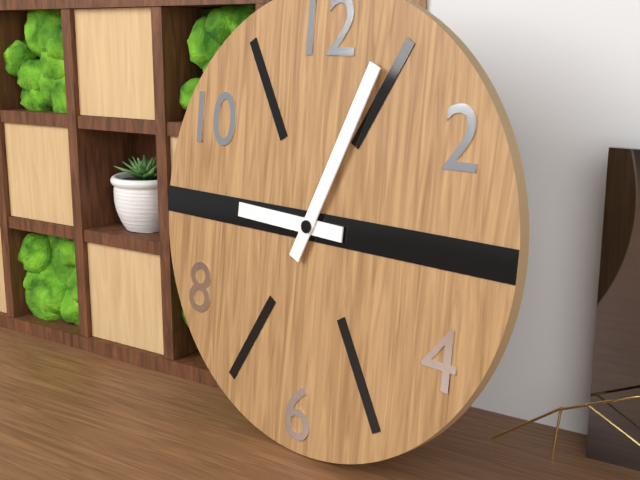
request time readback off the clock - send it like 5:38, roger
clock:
9:04
